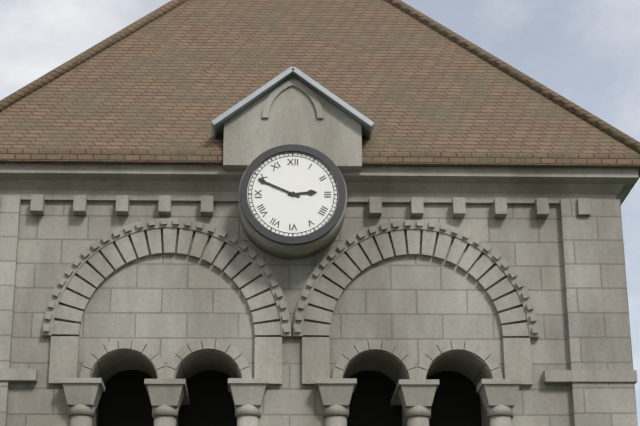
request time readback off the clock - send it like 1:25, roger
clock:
2:49
